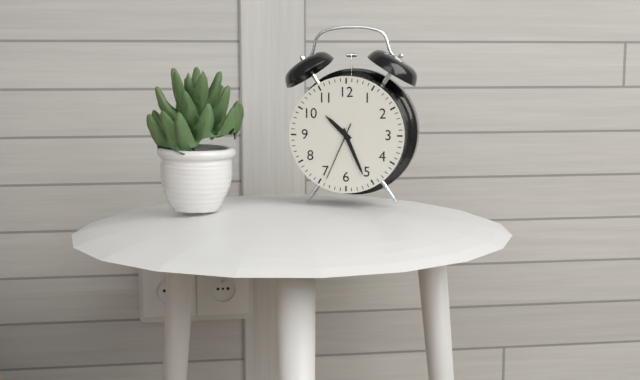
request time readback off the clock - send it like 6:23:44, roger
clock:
10:26:34
